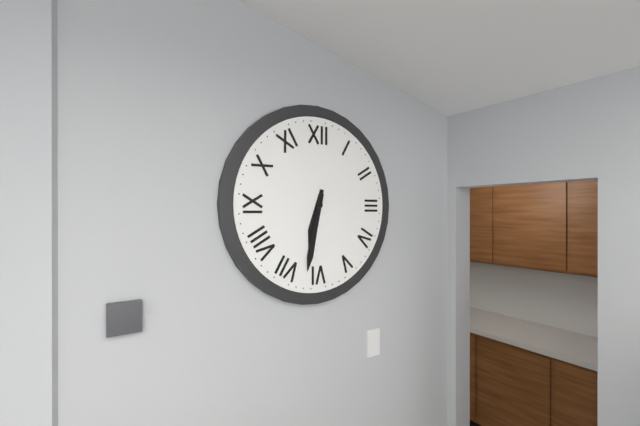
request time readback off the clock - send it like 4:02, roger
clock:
6:32
